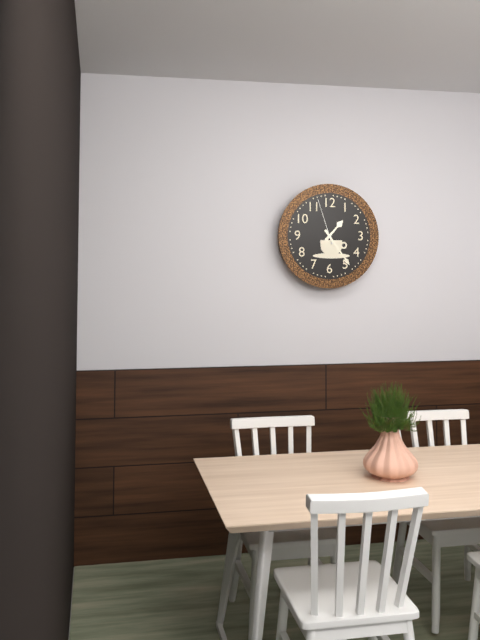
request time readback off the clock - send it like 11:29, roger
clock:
1:24
